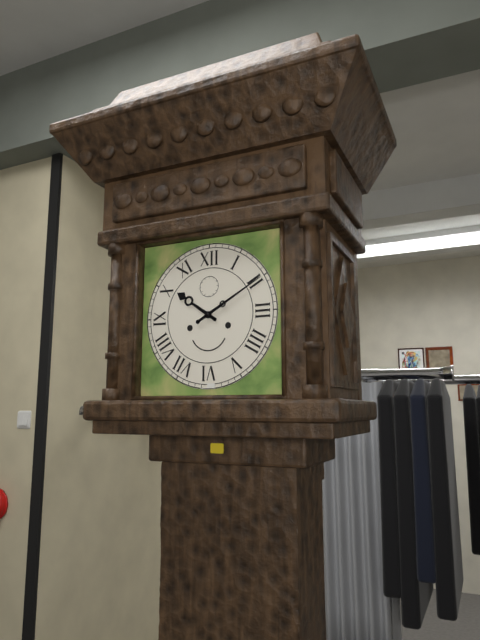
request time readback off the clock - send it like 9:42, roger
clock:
10:10
